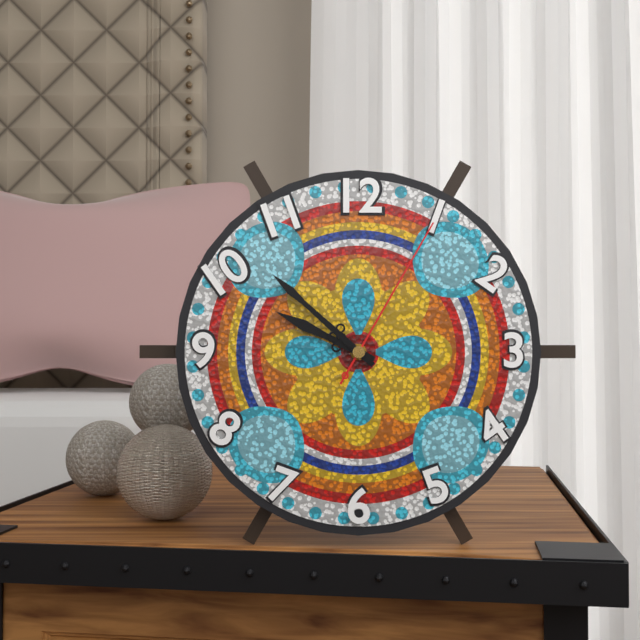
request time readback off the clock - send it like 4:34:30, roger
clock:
9:52:05
